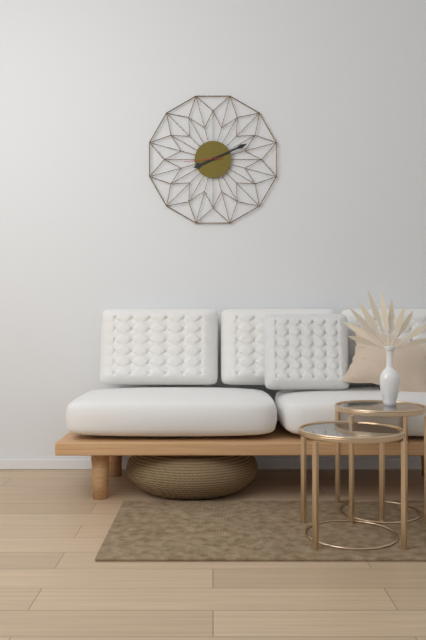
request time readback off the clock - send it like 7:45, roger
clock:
8:11
